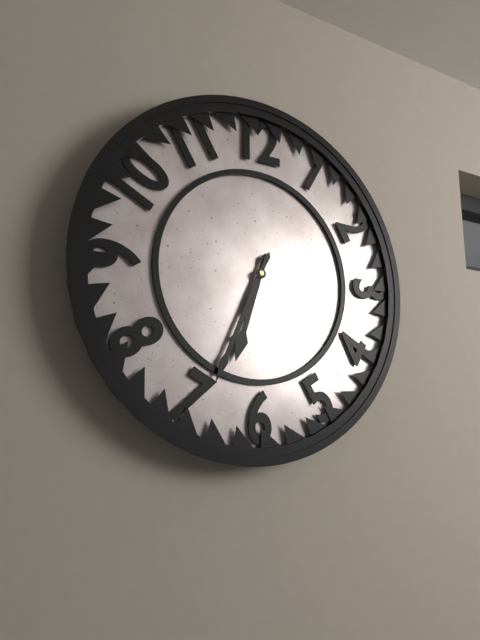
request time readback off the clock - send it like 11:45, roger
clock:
6:34
